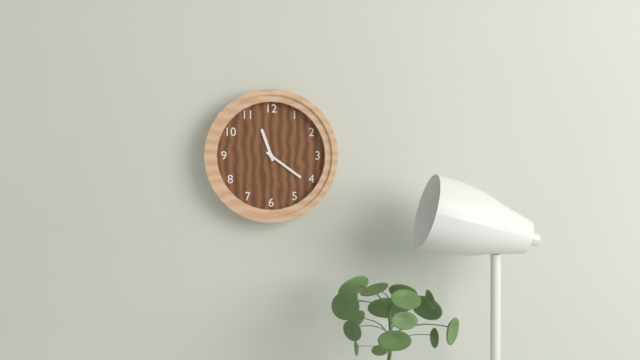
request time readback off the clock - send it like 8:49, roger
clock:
11:21
